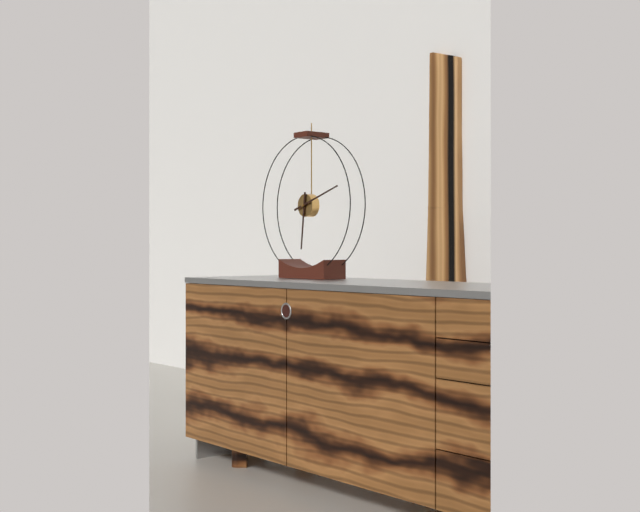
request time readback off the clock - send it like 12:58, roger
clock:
6:12
